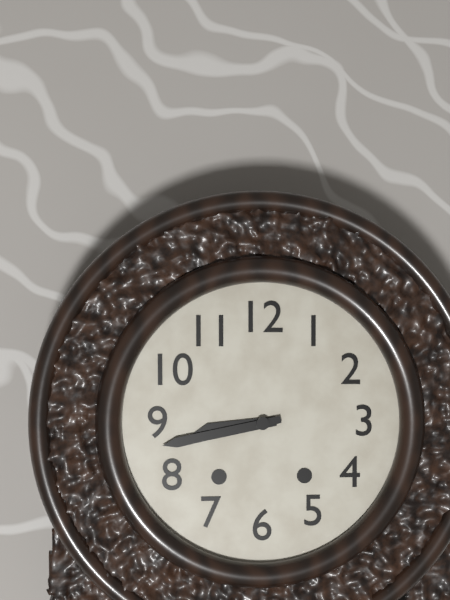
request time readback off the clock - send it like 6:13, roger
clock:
8:43
